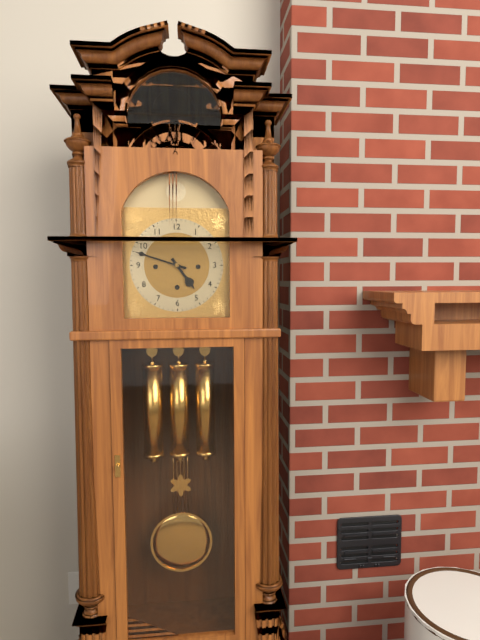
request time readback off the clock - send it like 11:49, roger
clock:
4:48
